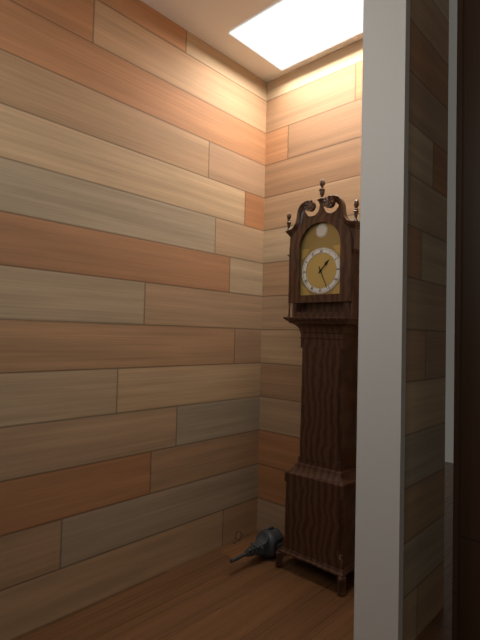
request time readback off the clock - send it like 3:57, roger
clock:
1:26
